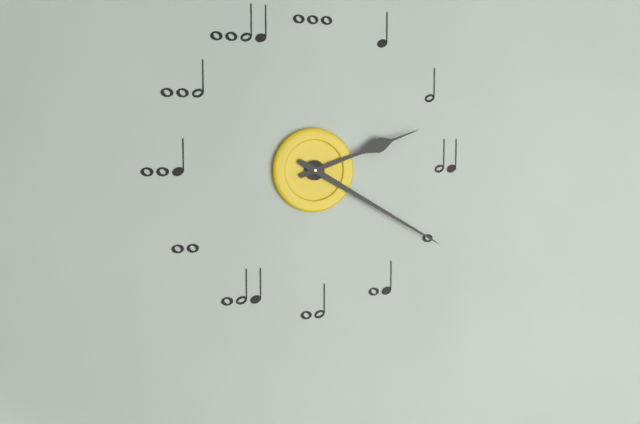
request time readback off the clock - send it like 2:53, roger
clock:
2:20
